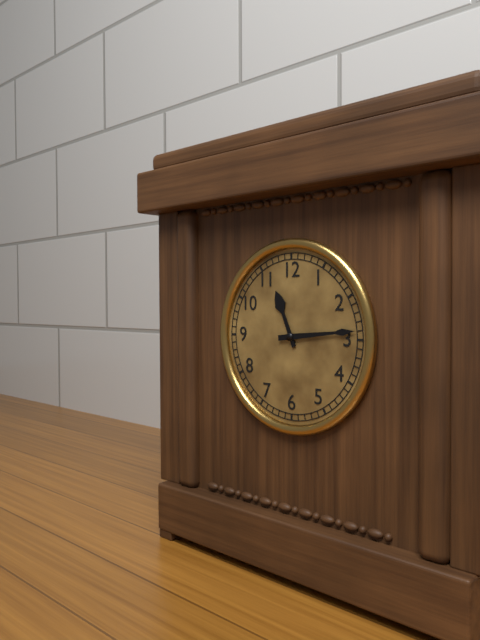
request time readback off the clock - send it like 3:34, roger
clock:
11:14
